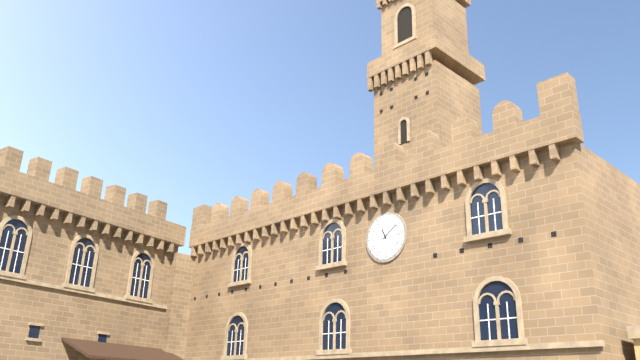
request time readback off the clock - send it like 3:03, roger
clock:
11:09
